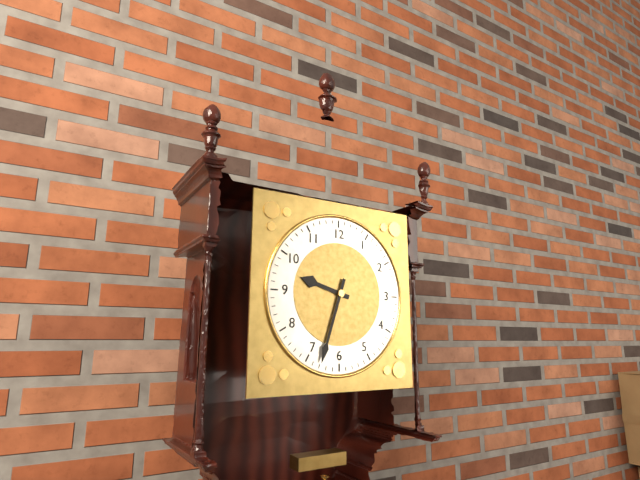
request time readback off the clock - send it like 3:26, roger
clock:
9:33
